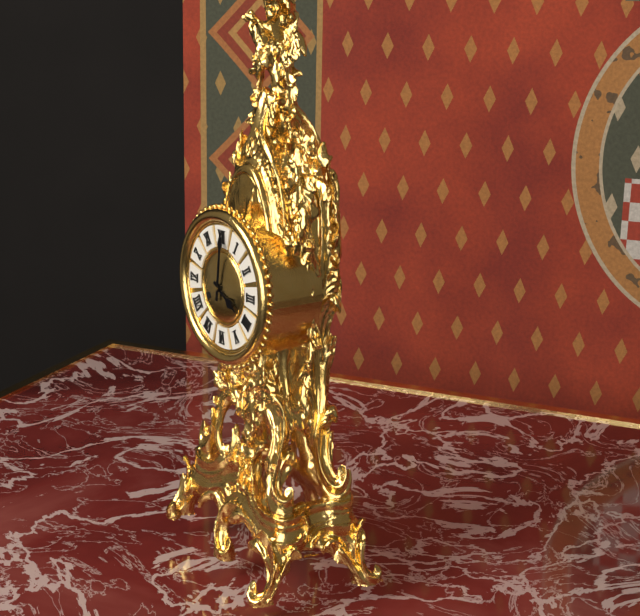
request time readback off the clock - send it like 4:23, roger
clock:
4:01
